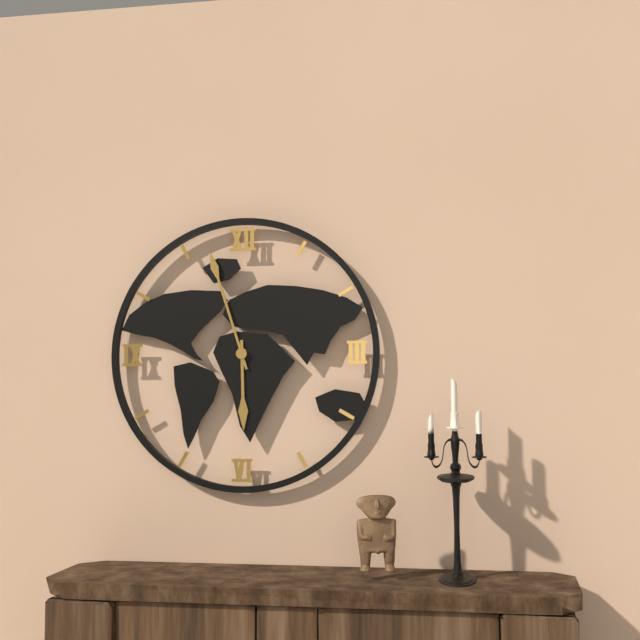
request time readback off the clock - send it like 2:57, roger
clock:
5:57
